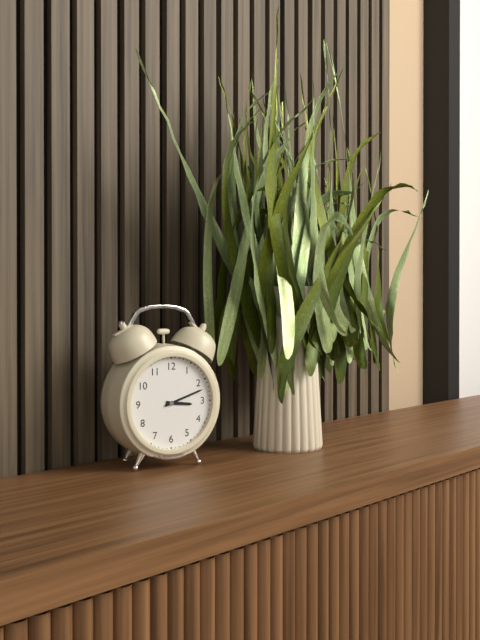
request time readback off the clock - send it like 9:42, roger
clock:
3:12
